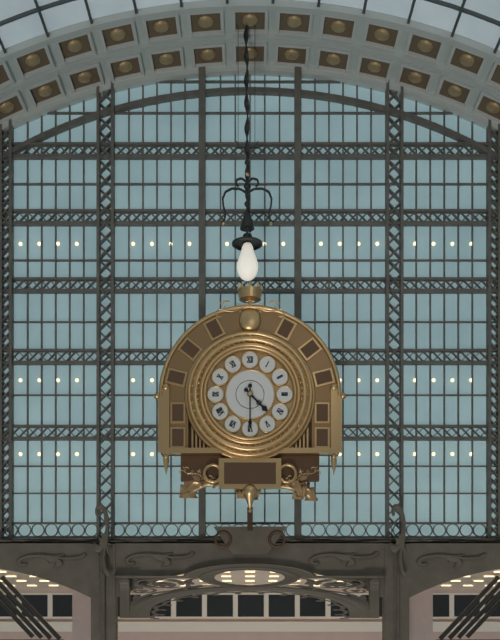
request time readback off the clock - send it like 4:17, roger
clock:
4:30
